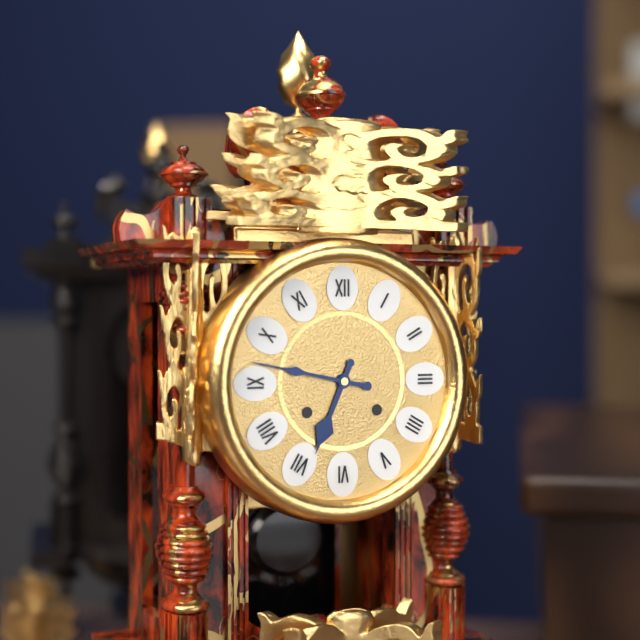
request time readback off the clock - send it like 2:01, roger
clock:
6:47
